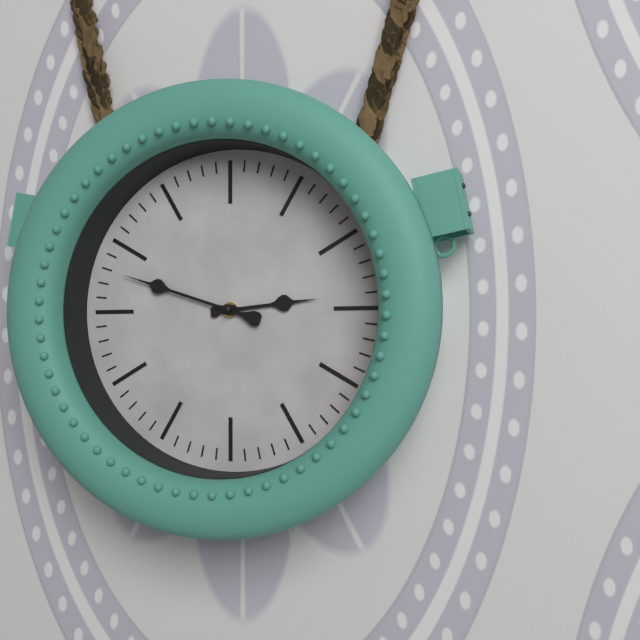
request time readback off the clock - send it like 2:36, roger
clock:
2:48
